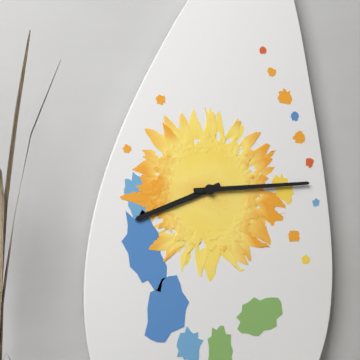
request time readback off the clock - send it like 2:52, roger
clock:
8:14
